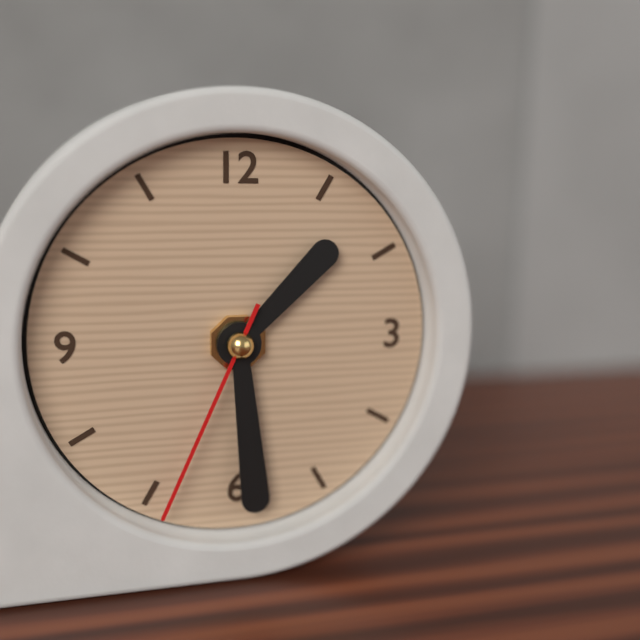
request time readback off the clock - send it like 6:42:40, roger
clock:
1:29:34
